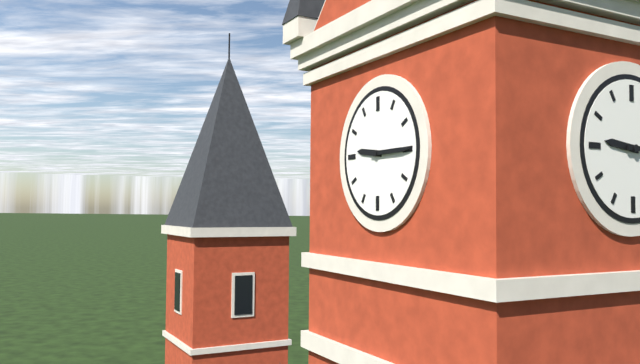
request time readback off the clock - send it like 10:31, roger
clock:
9:15
